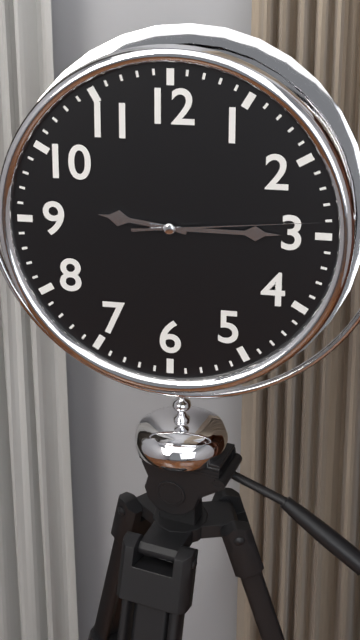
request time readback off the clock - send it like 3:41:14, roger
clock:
9:15:14
